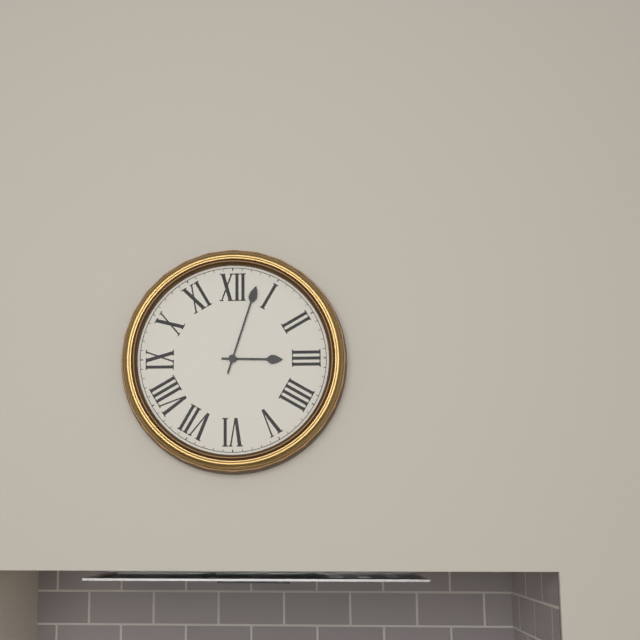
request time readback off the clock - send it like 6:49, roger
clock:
3:03
